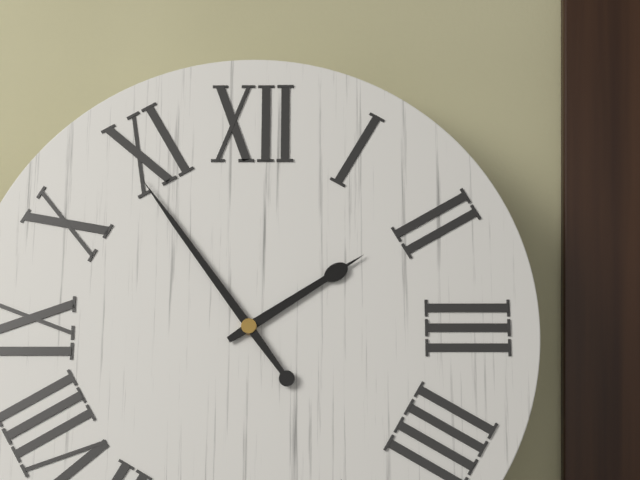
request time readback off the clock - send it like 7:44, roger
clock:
1:54
